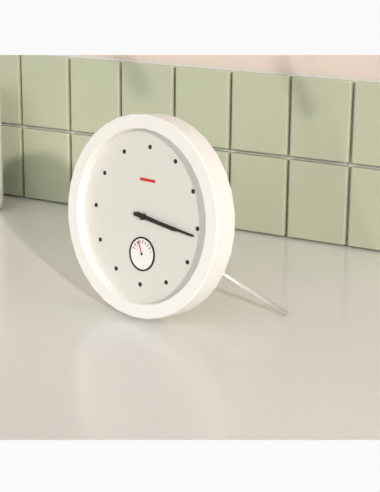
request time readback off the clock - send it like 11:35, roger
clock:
3:16
